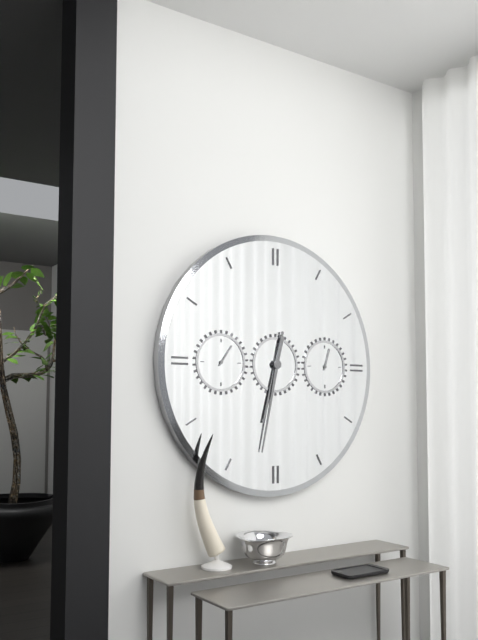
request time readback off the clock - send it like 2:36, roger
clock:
6:32
